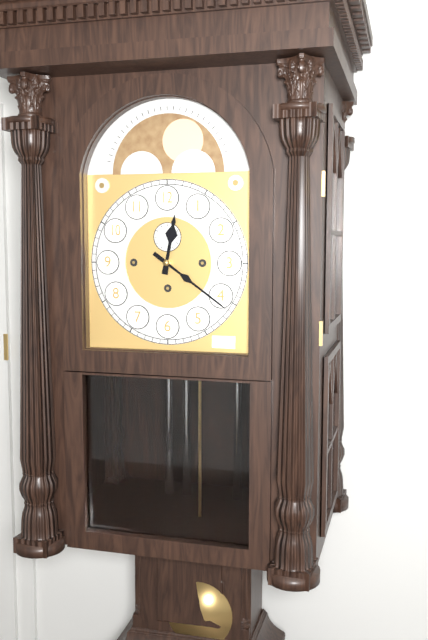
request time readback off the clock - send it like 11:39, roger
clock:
12:21
